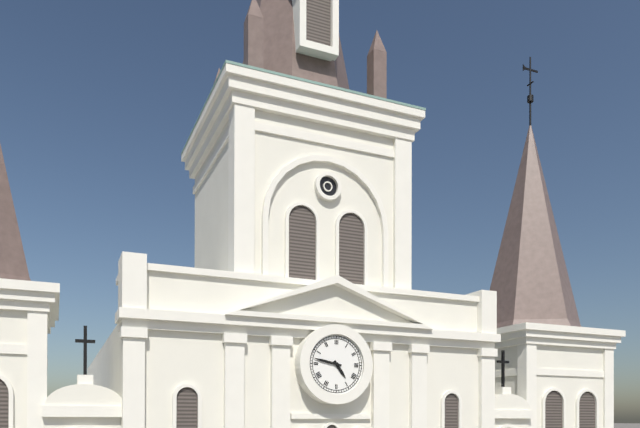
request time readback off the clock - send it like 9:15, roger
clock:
4:47
